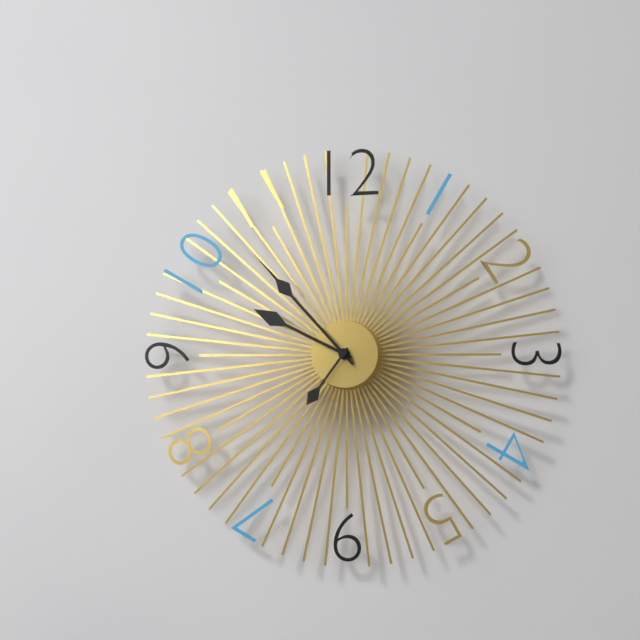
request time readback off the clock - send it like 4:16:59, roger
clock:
9:53:36
